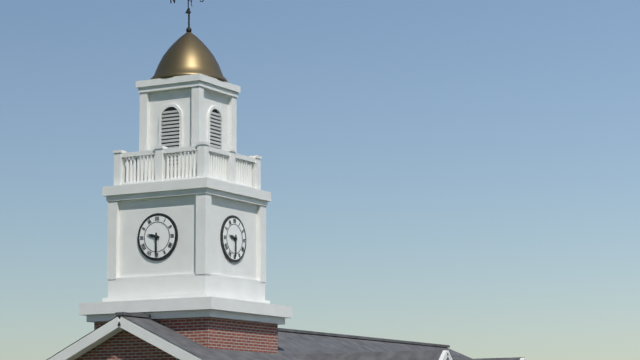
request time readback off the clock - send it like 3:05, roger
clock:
9:30
